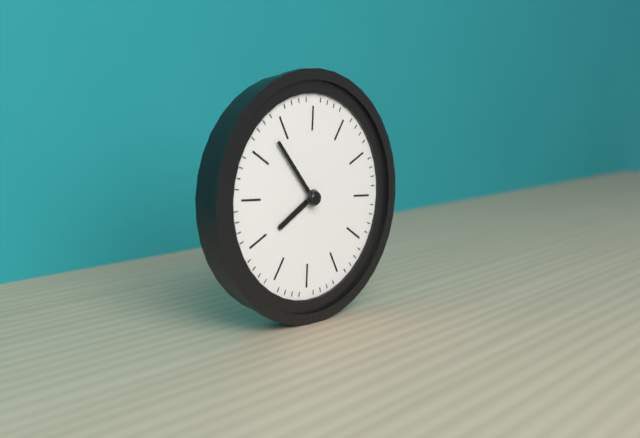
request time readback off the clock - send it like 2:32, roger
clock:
7:53
